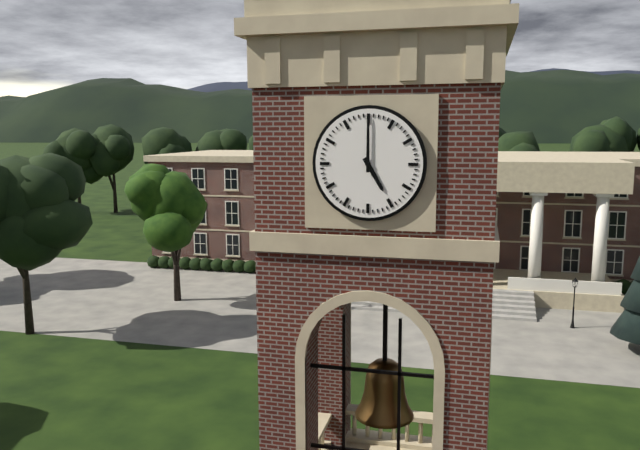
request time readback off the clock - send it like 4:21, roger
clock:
5:00
